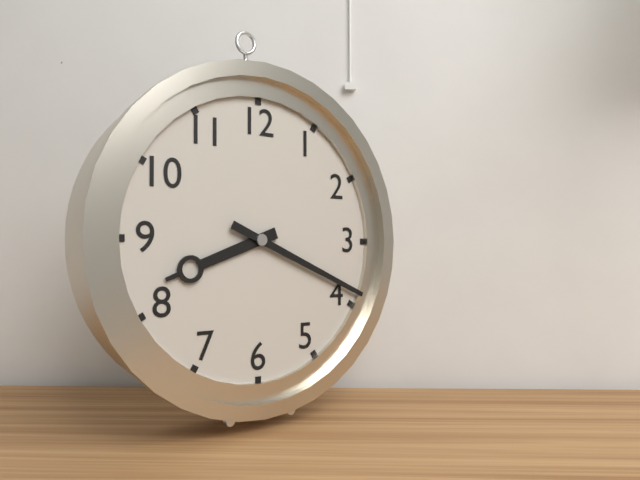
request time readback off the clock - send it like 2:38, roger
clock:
8:19
